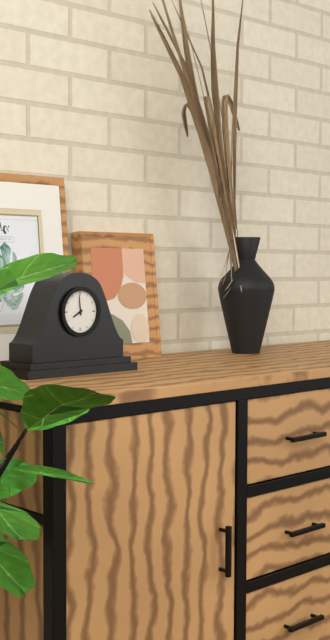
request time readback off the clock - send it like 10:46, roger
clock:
7:59
